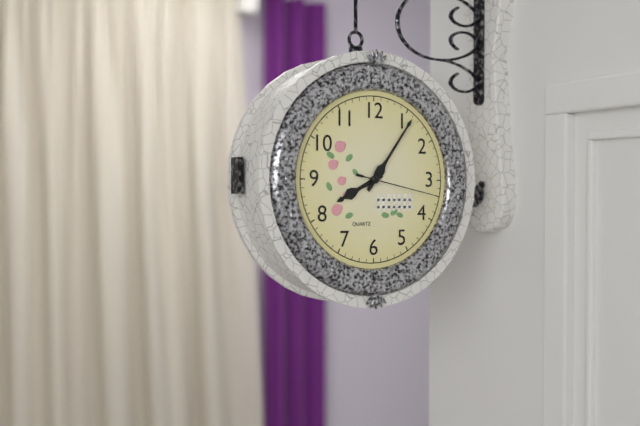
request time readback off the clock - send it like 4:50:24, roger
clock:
8:06:17
